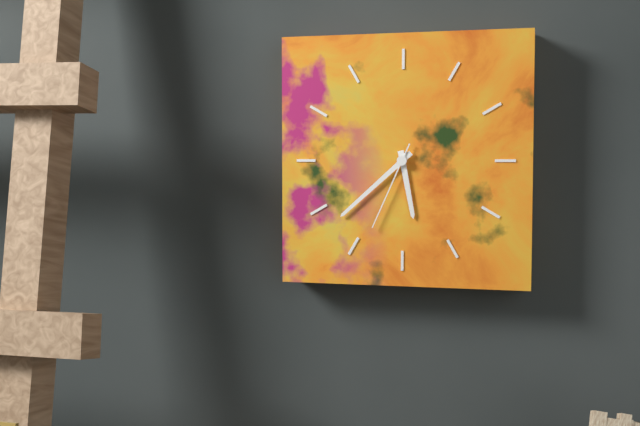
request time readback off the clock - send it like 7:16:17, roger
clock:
5:38:34
